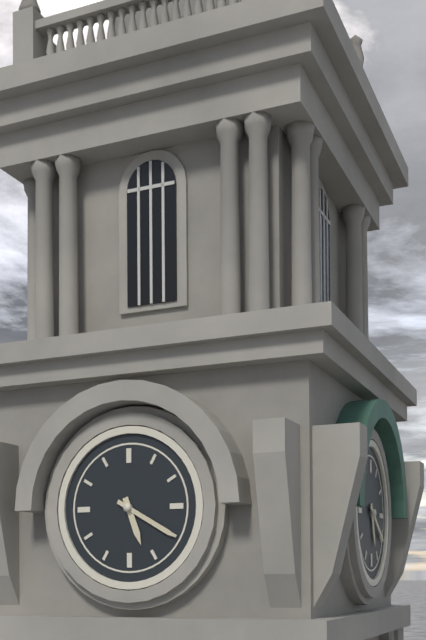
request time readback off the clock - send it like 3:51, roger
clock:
5:20
